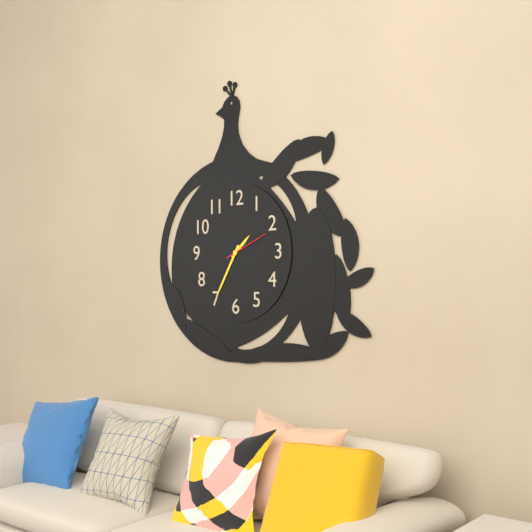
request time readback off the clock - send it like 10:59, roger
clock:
1:35
